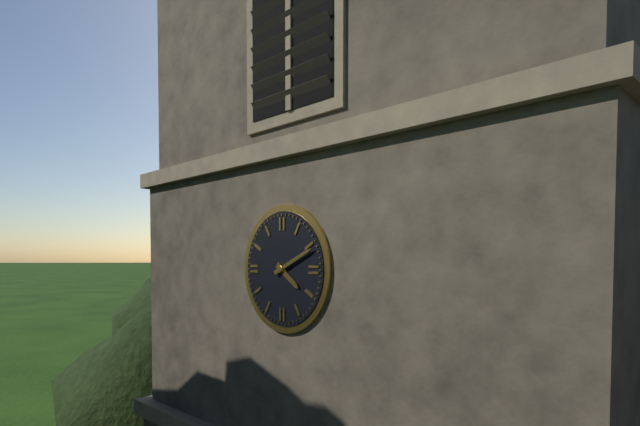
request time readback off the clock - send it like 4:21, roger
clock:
4:11
